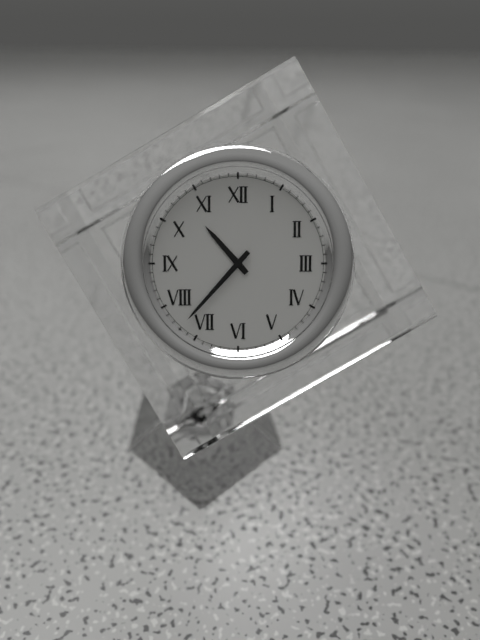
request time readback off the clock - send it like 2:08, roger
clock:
10:37
